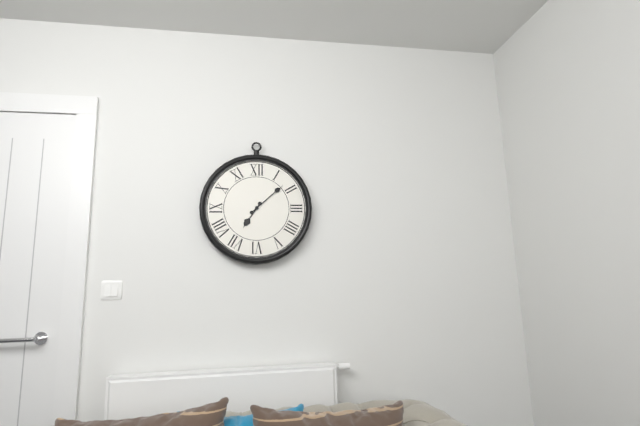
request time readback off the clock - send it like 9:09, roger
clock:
7:08
